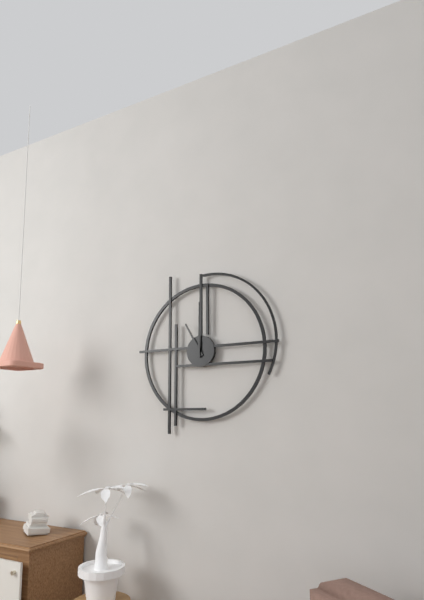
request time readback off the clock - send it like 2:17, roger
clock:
11:00
